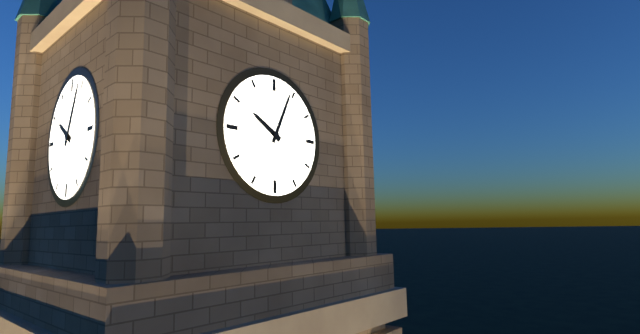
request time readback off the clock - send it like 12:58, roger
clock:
10:04
